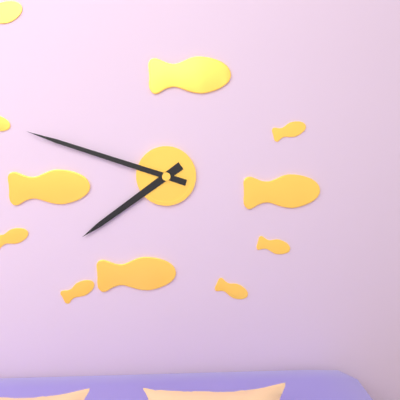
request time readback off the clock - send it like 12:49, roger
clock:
7:48
